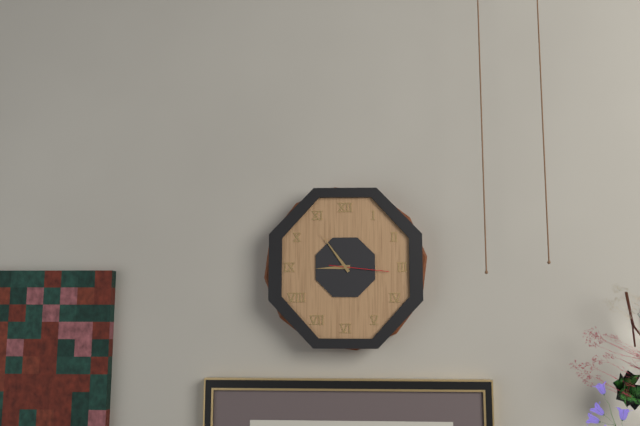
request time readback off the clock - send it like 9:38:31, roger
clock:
8:54:16
